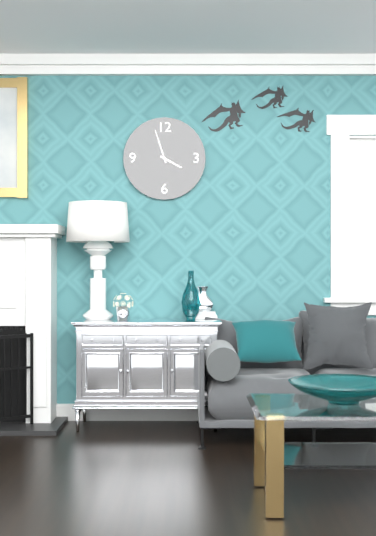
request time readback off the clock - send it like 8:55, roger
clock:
3:57
